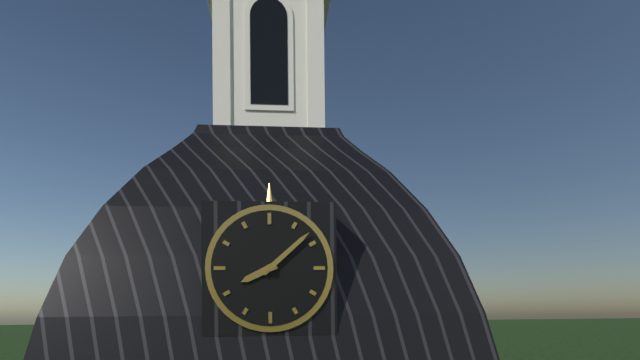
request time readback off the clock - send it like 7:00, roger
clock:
8:08
